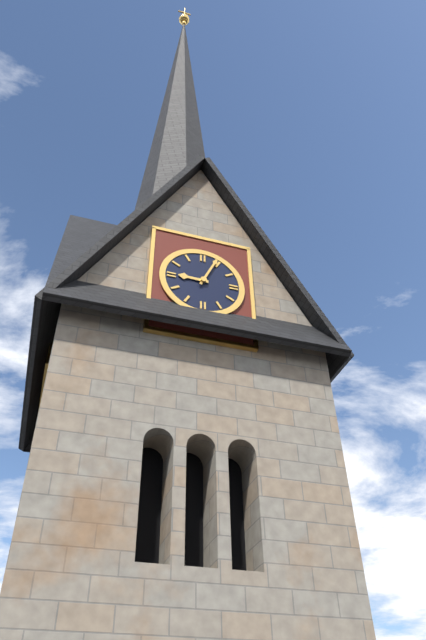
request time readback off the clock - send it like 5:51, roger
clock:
9:04
